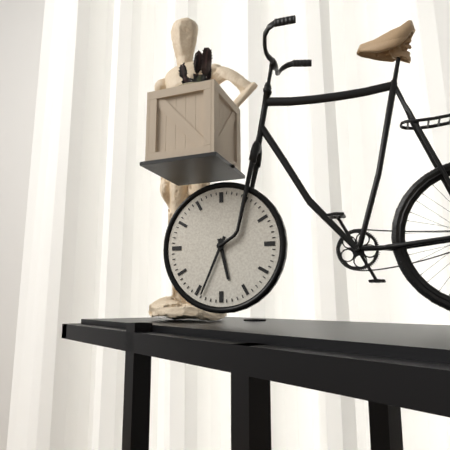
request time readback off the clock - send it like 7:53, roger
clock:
5:34
